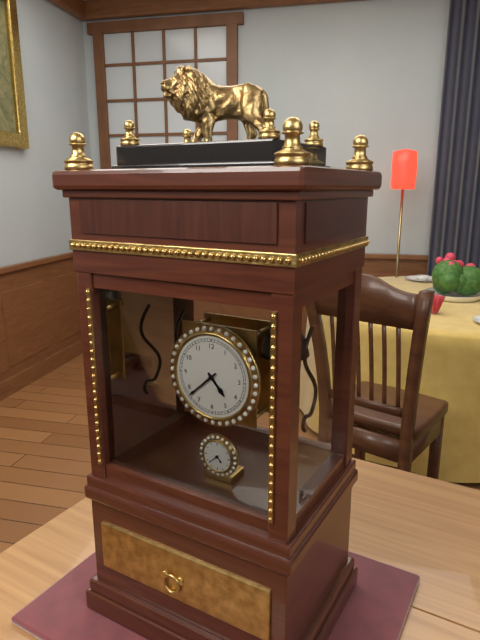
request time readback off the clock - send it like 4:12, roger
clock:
4:38
